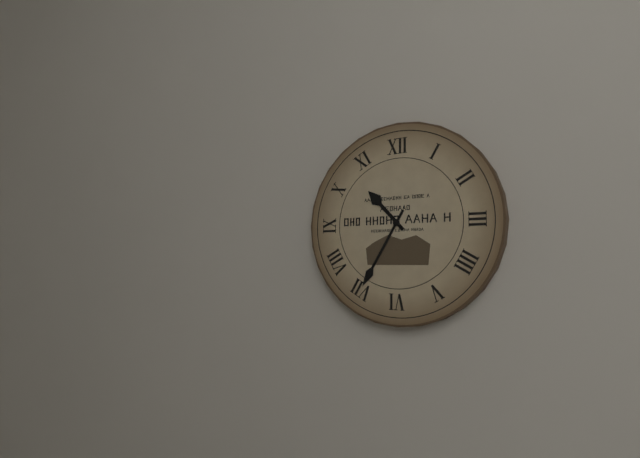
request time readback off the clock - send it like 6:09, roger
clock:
10:35
